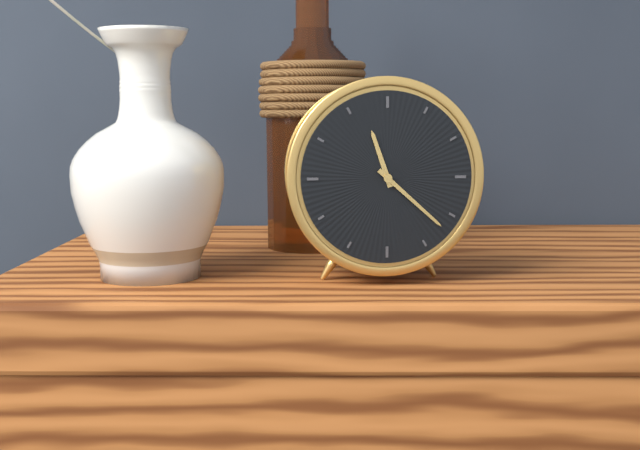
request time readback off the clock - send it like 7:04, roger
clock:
11:22
